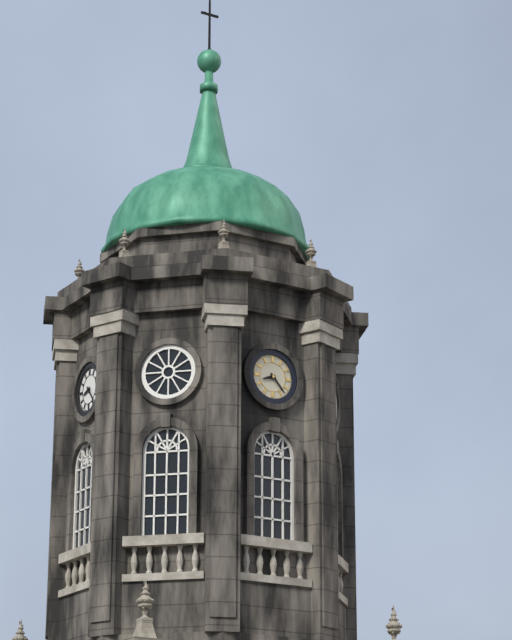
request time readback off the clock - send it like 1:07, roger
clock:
8:23
